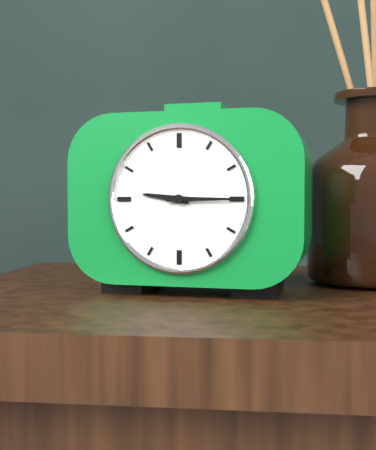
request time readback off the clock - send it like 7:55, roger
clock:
9:15
